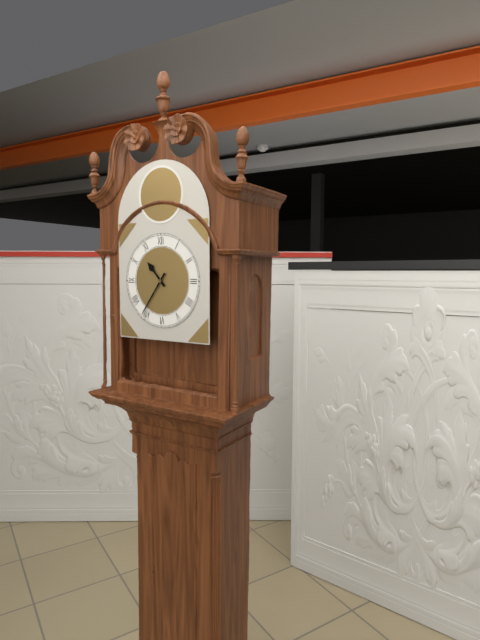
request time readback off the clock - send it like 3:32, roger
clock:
10:36
